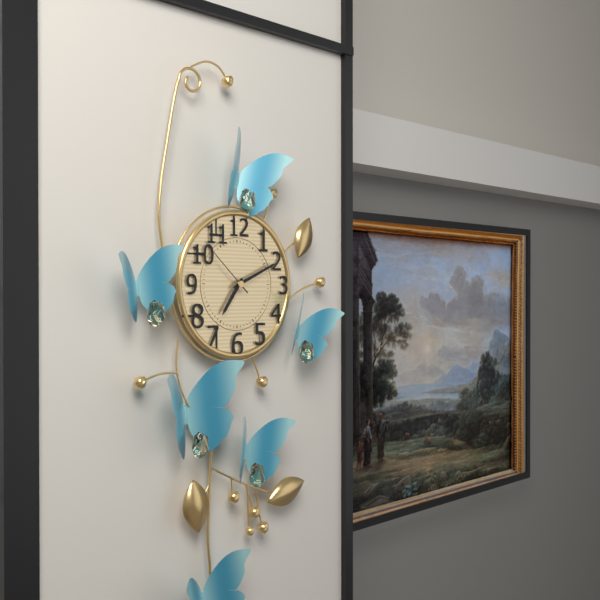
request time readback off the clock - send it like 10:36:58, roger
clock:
7:11:52
